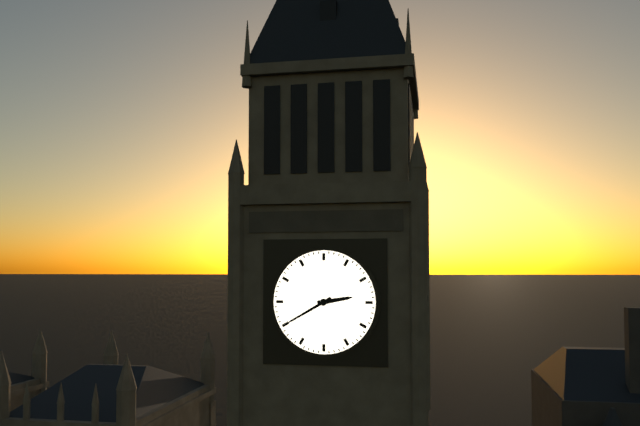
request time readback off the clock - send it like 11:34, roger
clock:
2:40
